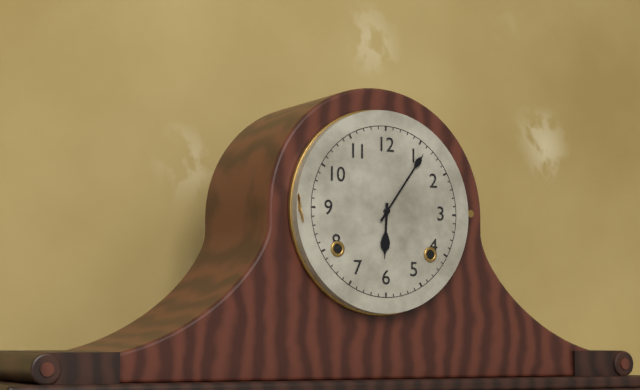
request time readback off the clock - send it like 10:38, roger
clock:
6:06
